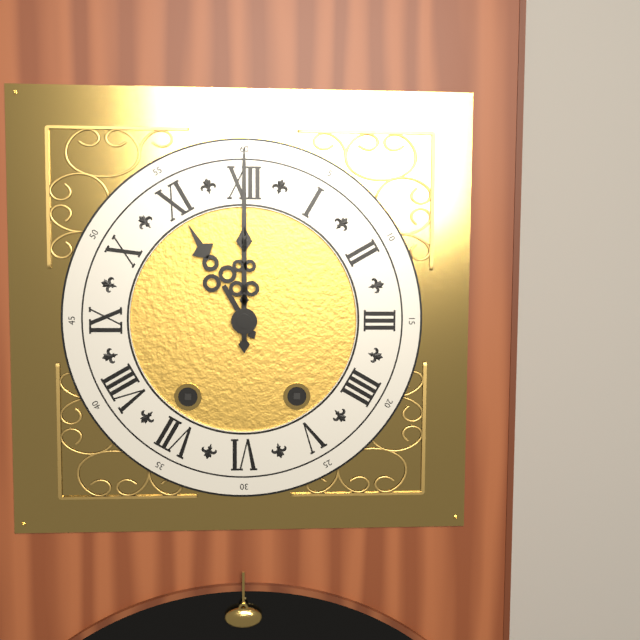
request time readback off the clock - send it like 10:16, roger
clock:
11:00
